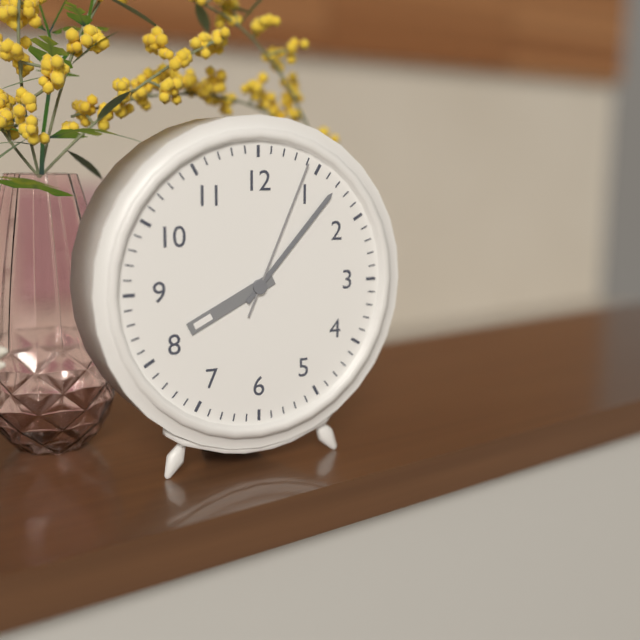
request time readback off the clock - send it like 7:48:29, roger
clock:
8:07:04
